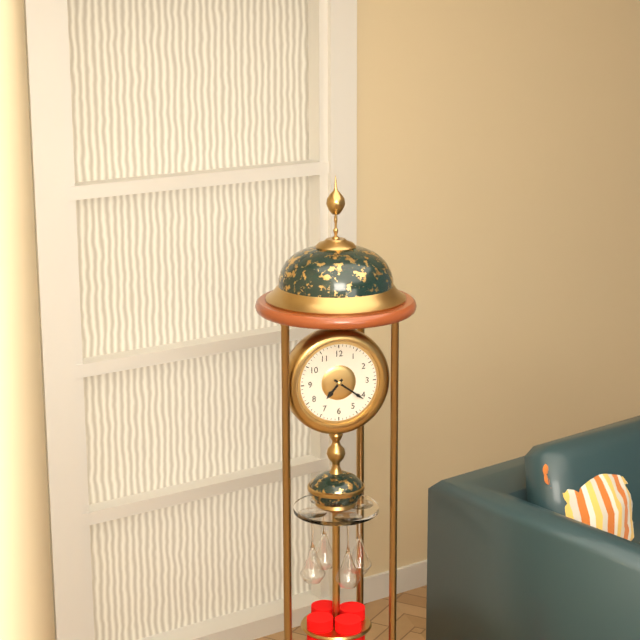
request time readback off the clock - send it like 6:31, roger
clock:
7:21
